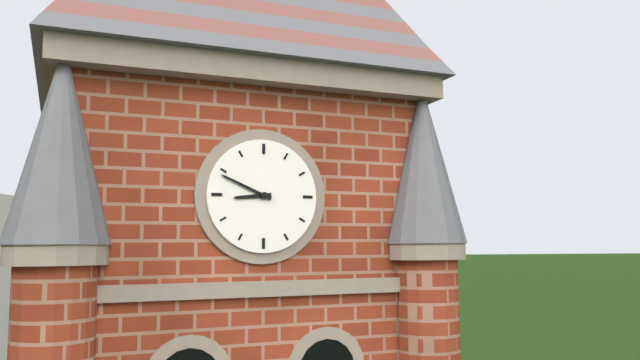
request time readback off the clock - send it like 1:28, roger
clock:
8:49
